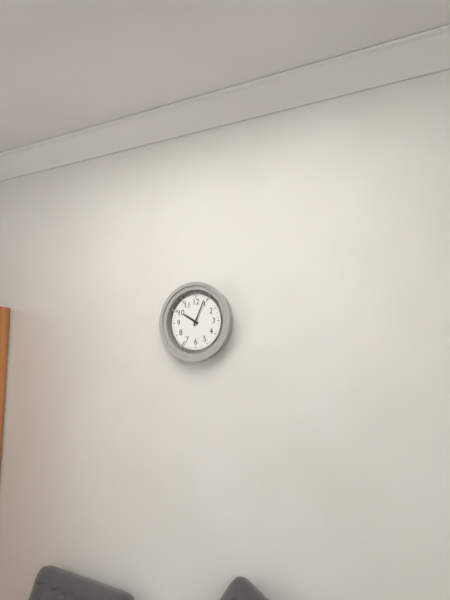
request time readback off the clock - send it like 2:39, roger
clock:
10:04
